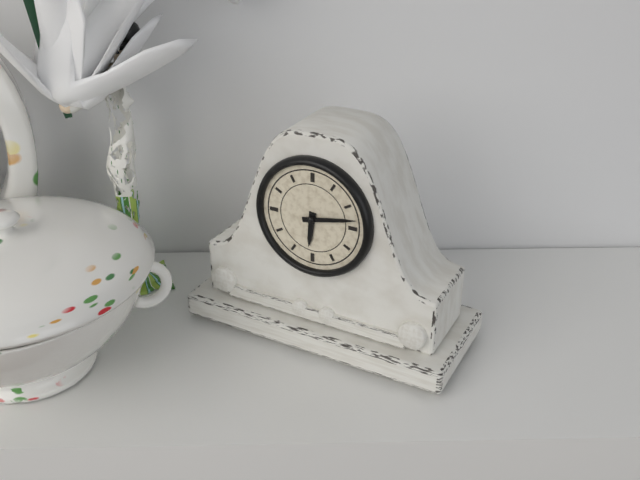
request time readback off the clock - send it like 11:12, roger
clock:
6:13
